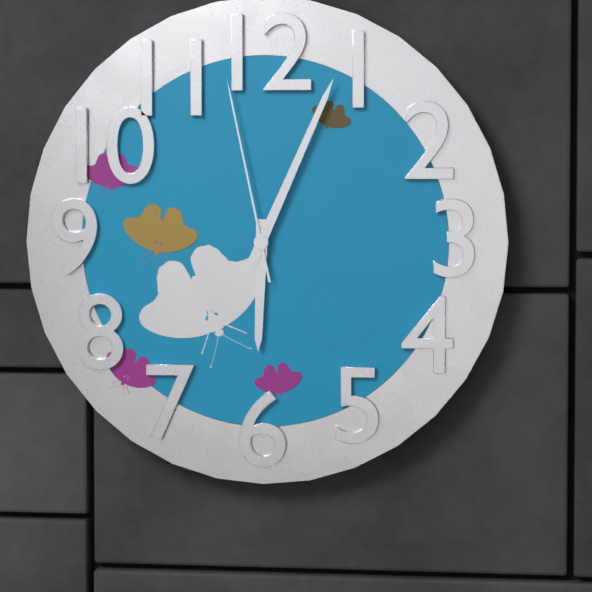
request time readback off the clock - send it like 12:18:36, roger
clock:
6:04:58
